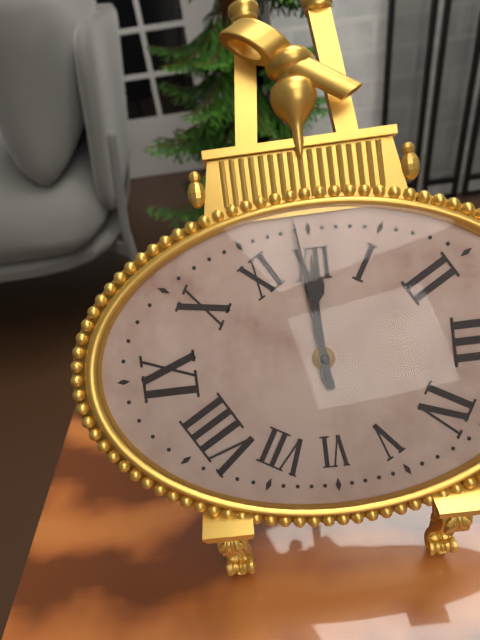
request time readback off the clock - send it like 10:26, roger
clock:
11:59
